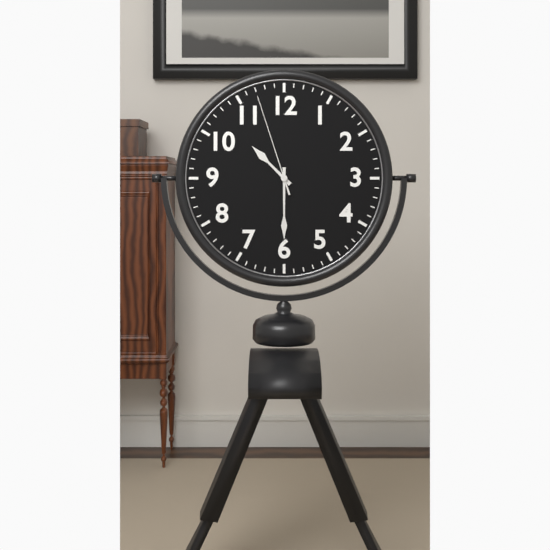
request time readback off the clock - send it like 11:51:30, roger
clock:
10:30:57
